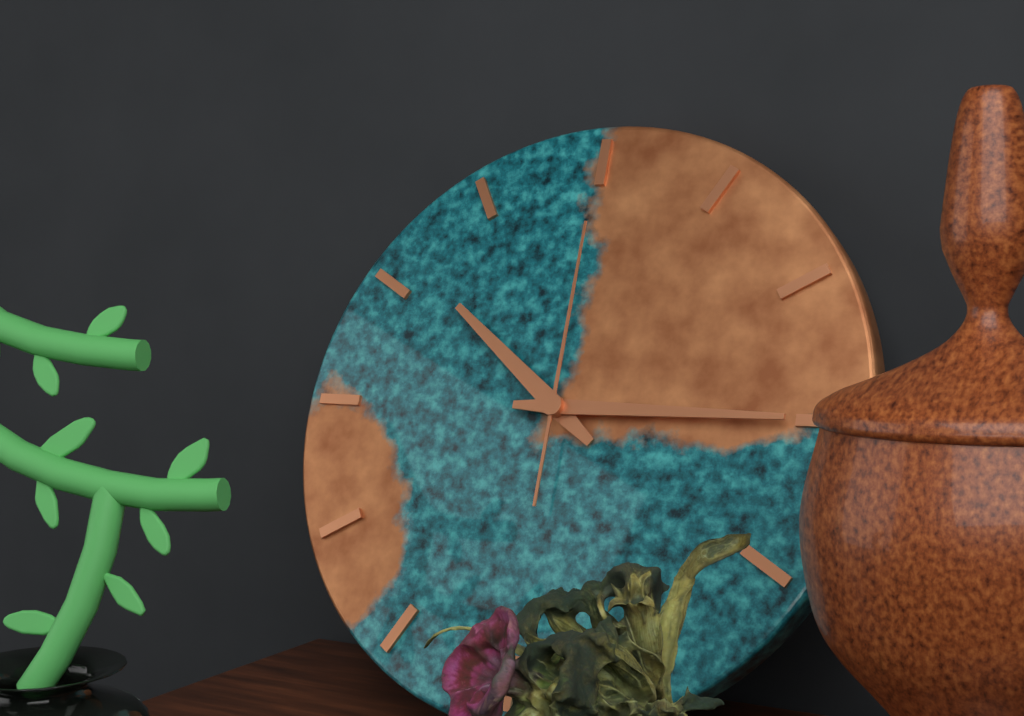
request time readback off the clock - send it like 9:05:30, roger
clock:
10:15:00
